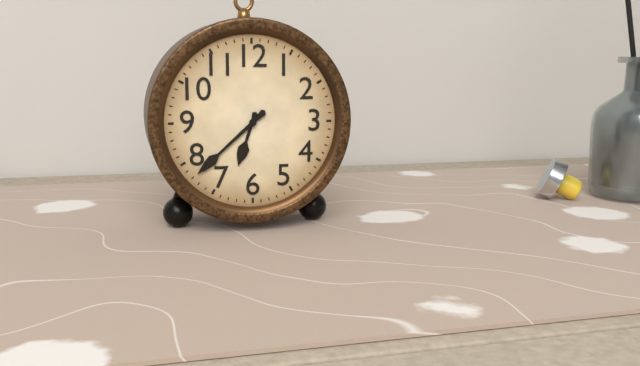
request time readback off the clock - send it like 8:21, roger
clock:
6:38
